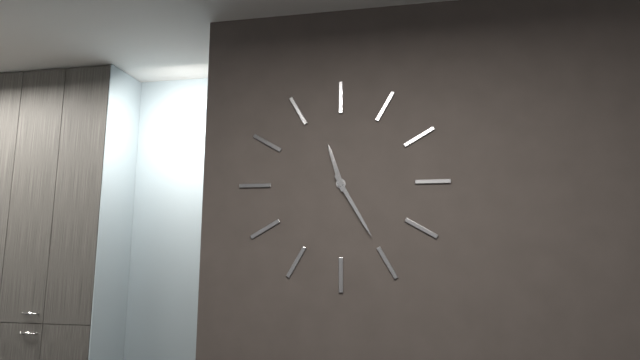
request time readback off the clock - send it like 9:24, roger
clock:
11:25
